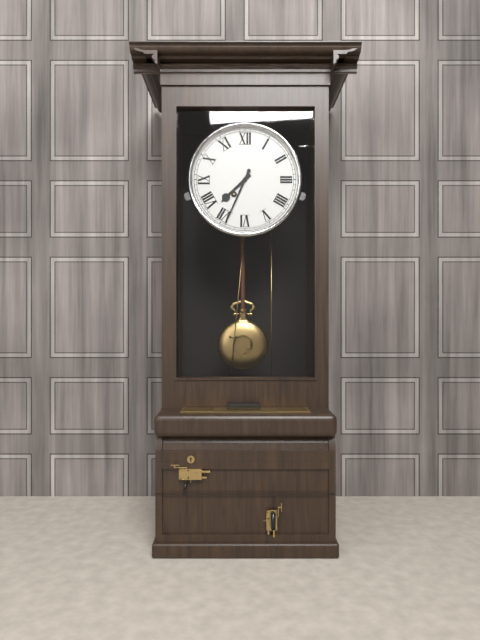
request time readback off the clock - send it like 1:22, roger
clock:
7:34
